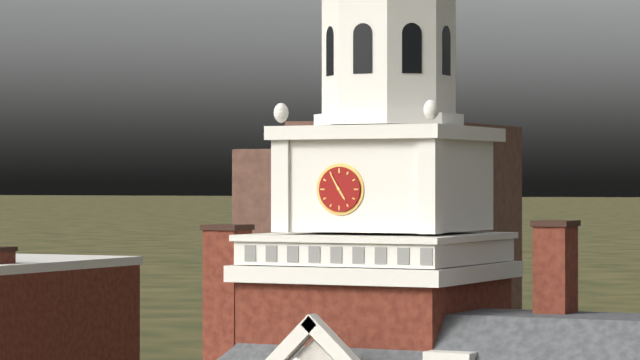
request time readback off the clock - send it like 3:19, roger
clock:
4:55
